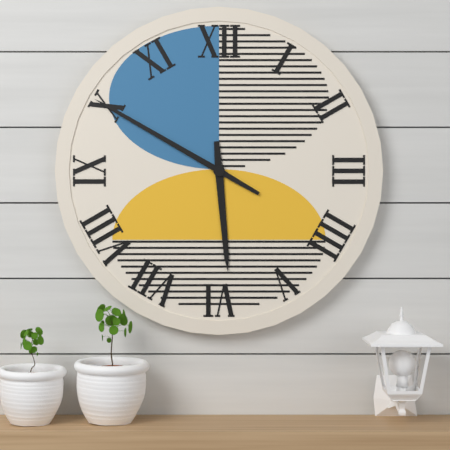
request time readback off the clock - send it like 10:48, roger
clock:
5:50
